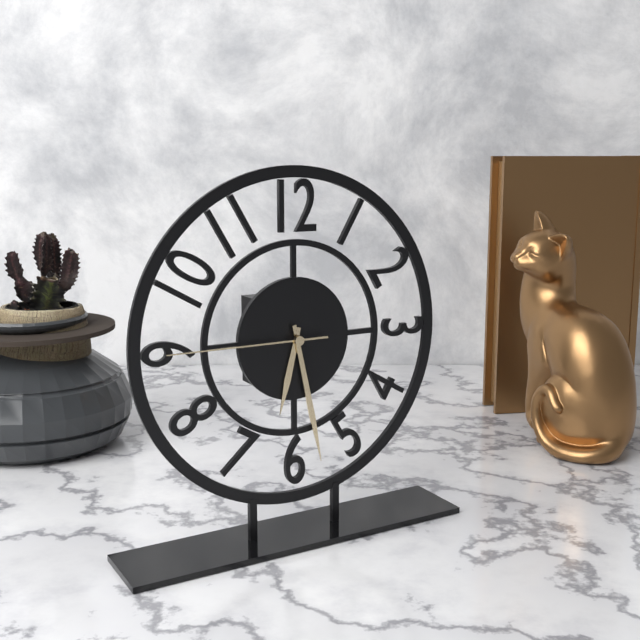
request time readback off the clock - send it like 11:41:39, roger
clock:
6:28:45
